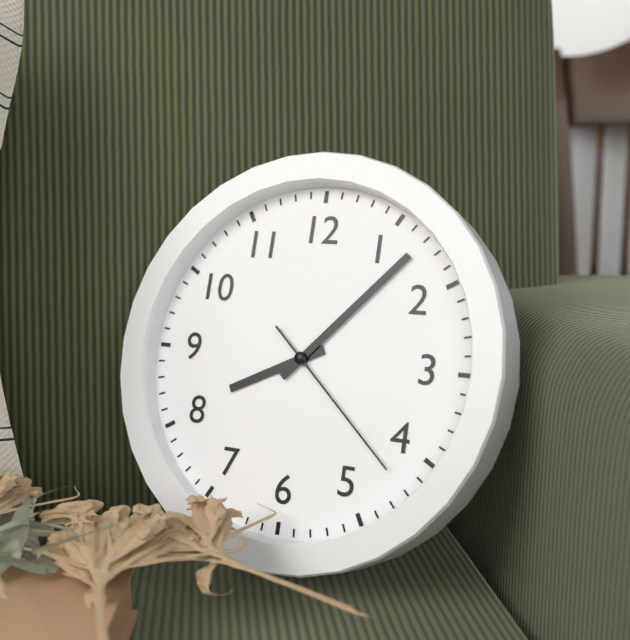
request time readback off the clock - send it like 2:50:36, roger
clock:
8:07:22
